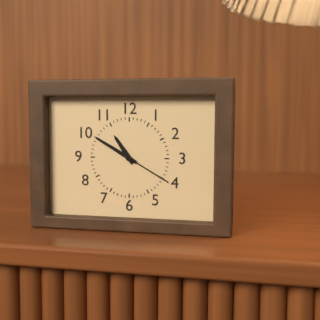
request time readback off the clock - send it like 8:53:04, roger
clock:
10:50:20
